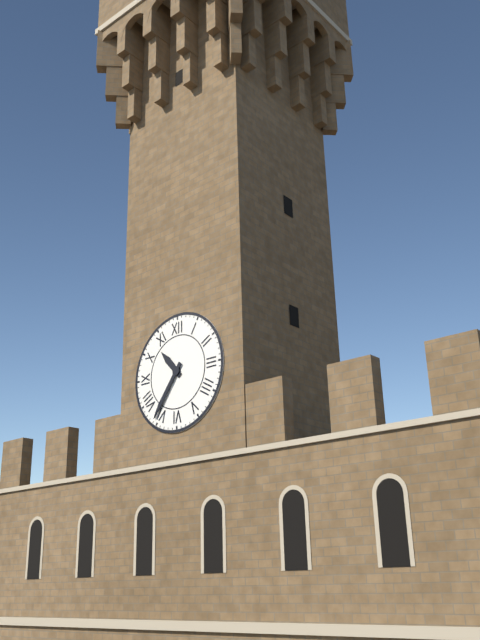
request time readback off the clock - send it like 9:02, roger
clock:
10:36
